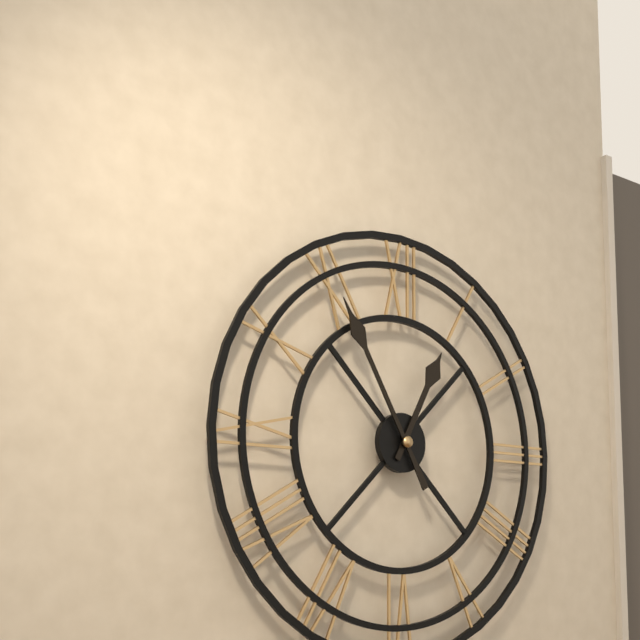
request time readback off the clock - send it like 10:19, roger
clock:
12:55
